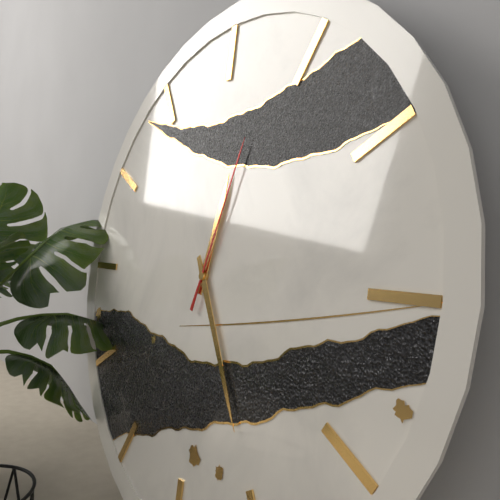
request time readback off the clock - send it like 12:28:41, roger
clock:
12:25:03
